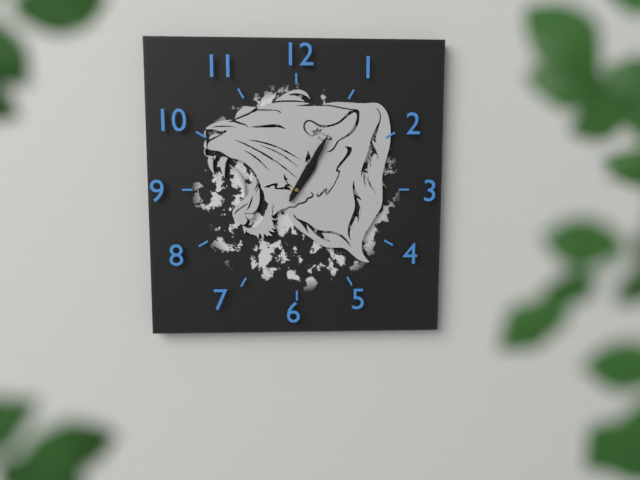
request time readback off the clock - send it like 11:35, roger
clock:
1:05
